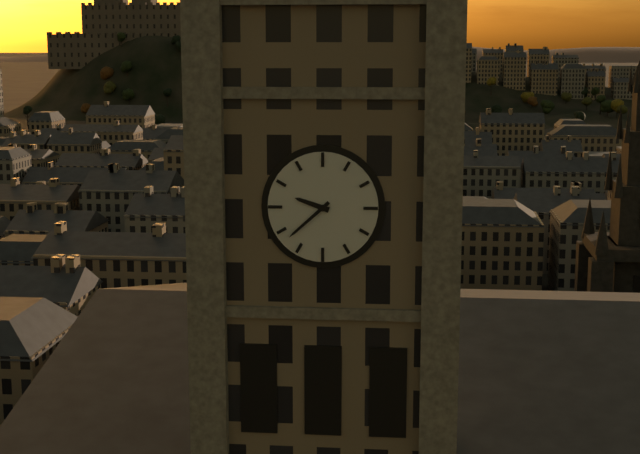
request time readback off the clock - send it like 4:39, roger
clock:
9:38
